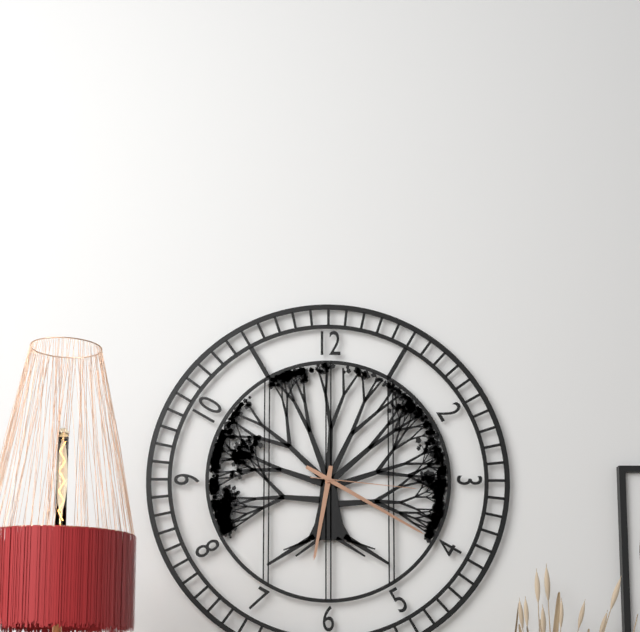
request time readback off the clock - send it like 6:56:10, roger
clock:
6:20:16
